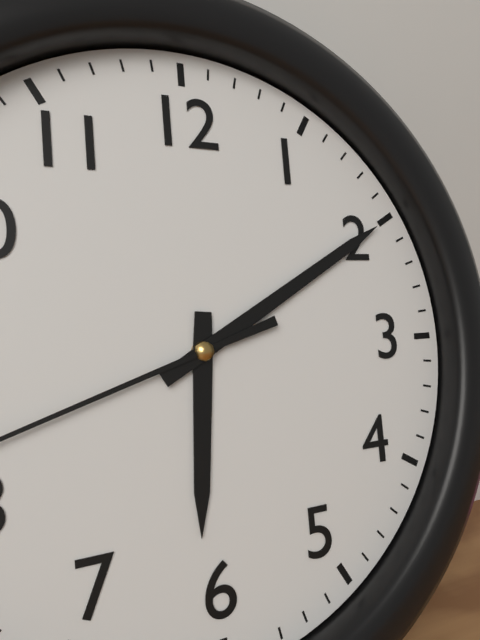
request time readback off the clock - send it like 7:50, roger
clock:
6:10
